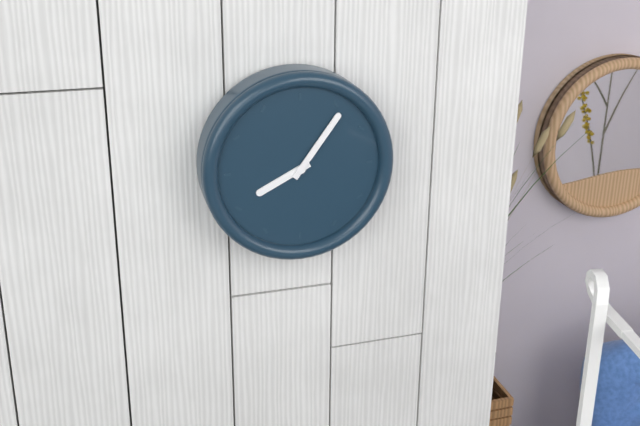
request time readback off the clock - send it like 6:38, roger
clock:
8:06
